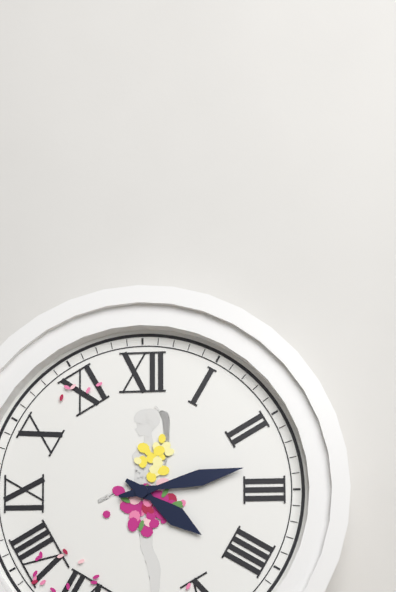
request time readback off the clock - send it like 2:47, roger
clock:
4:13
